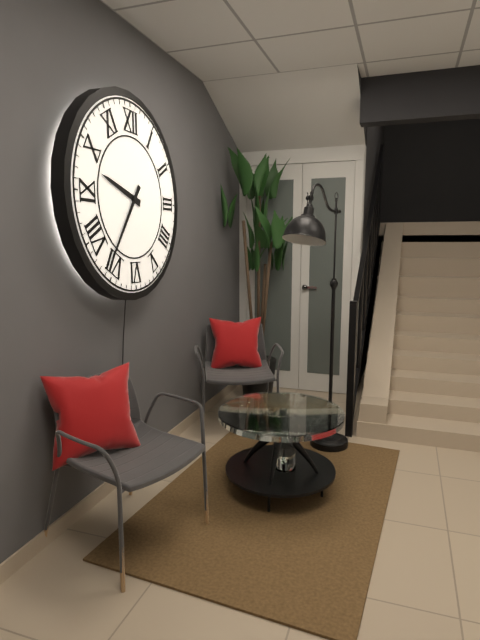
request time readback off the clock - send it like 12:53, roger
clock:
9:36
